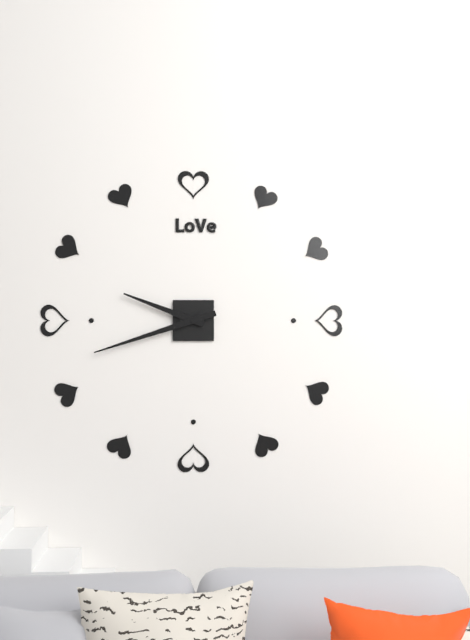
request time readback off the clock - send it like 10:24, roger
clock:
9:42
